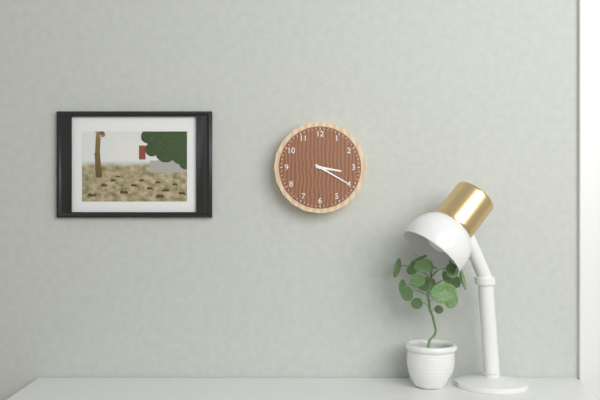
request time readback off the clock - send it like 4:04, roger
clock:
3:20
